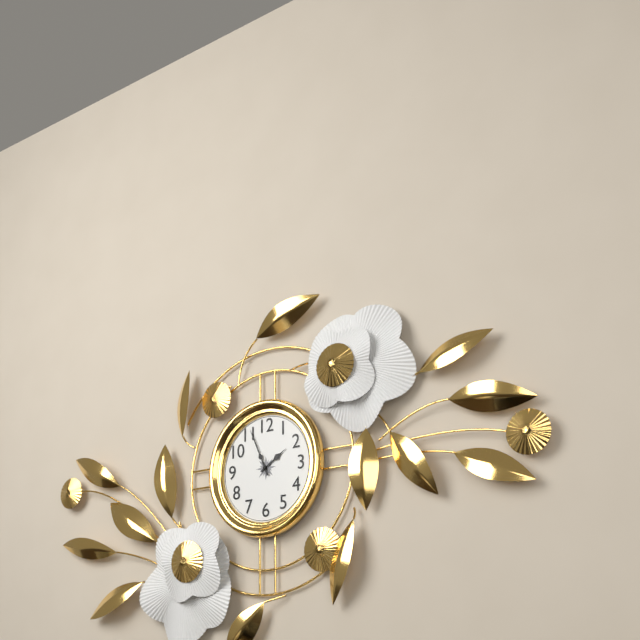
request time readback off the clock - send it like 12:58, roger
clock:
1:56
